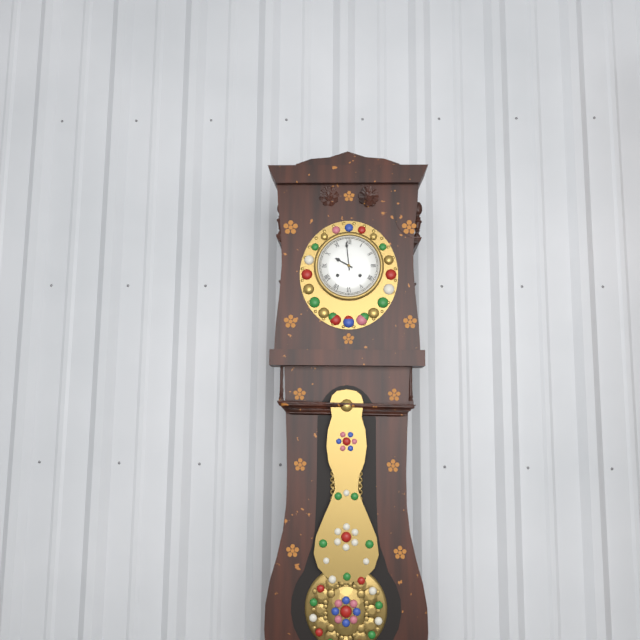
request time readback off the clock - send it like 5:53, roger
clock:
9:59
